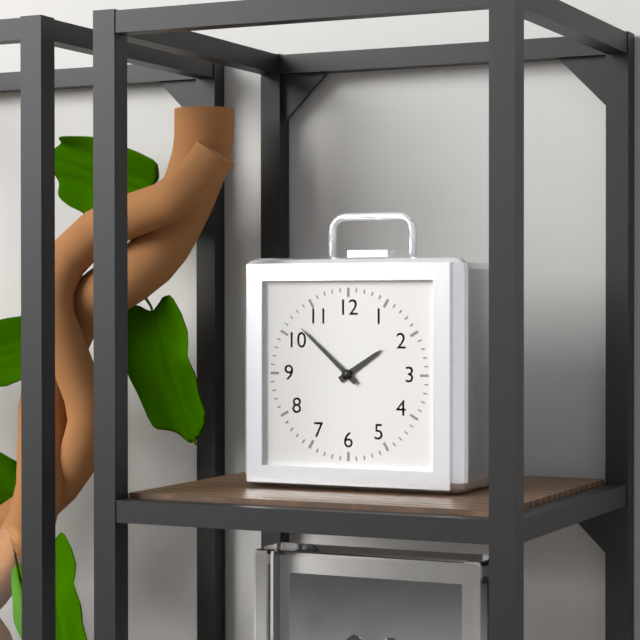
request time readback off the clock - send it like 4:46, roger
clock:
1:52
